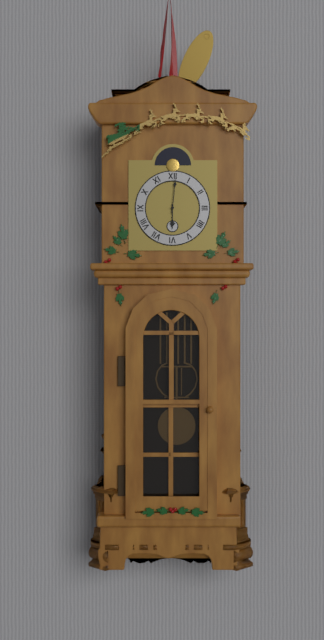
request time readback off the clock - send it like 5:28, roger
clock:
6:01
